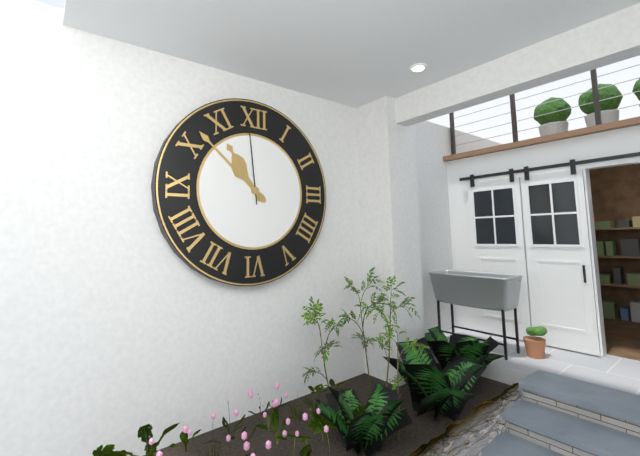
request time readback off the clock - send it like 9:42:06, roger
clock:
10:52:59
